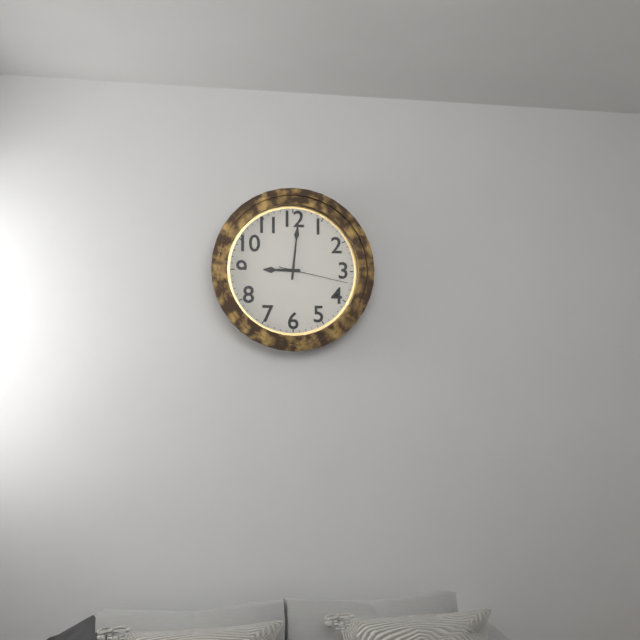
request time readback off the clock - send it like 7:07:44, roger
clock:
9:01:17
